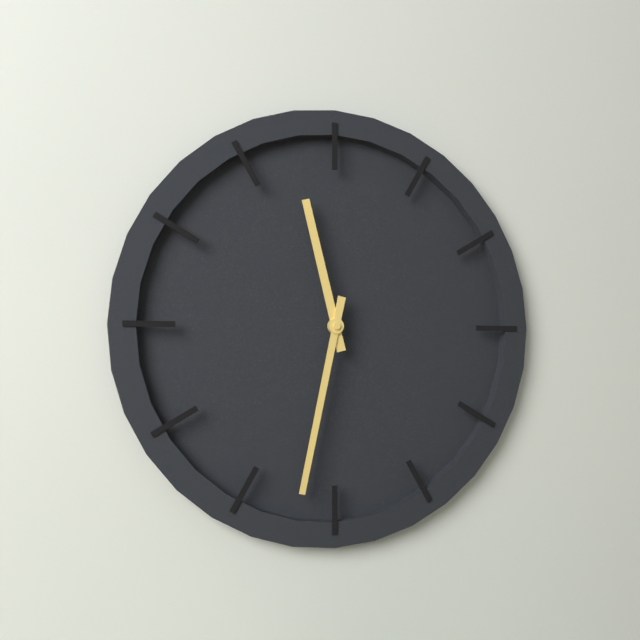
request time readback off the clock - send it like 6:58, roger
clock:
11:32
